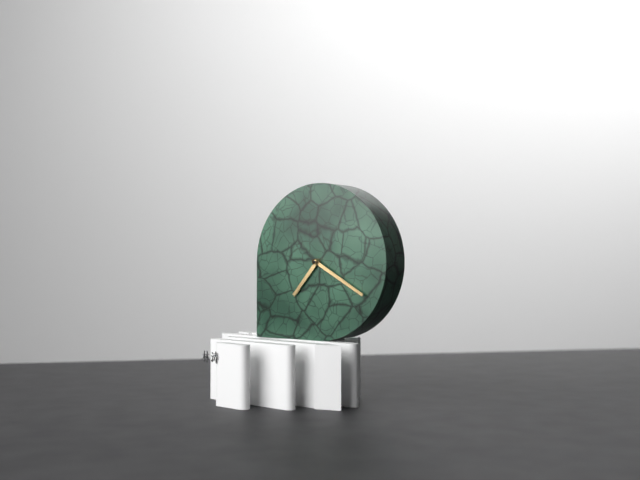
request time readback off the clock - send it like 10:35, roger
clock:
7:20
